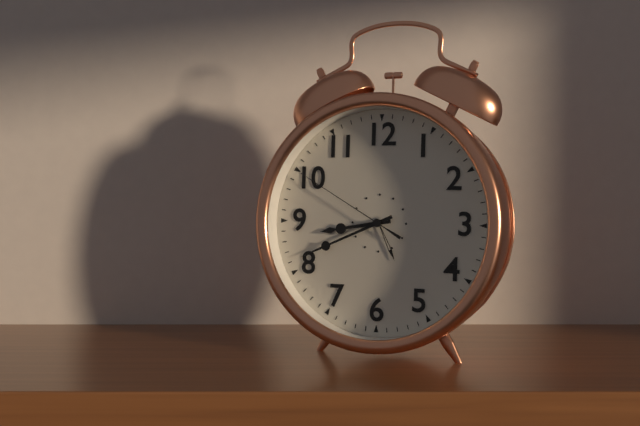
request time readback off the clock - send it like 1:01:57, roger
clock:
8:41:50
